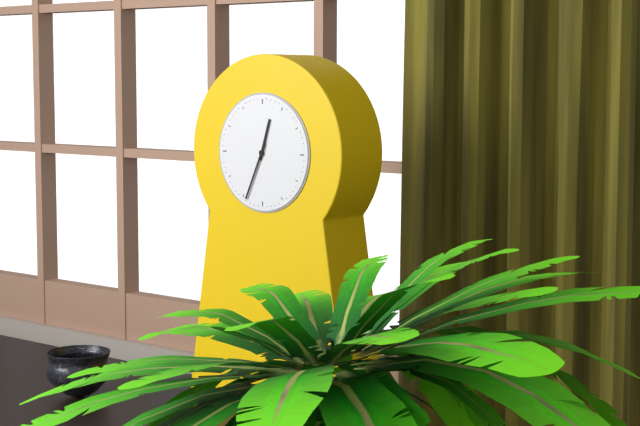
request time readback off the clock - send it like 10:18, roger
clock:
12:34
